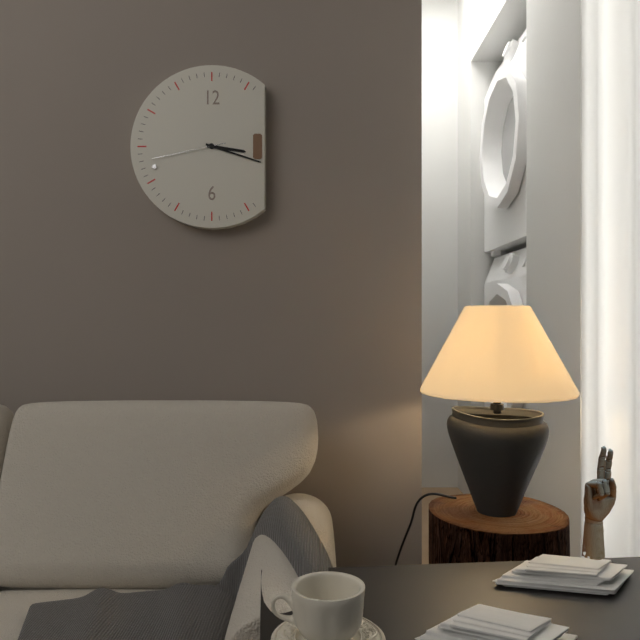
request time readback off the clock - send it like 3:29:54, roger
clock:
3:18:43
